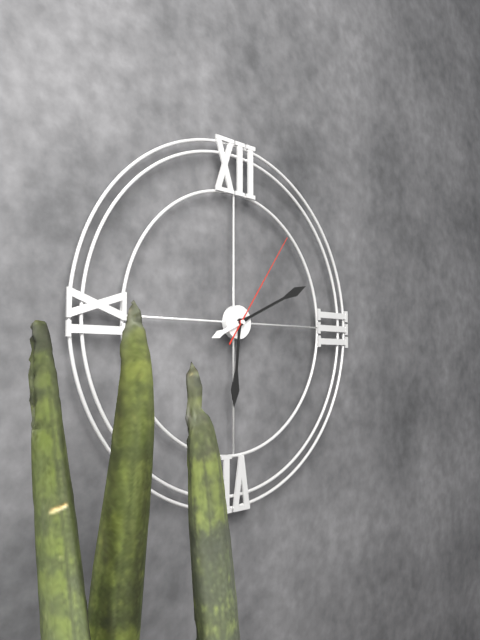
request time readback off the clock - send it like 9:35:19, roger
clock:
6:11:06
